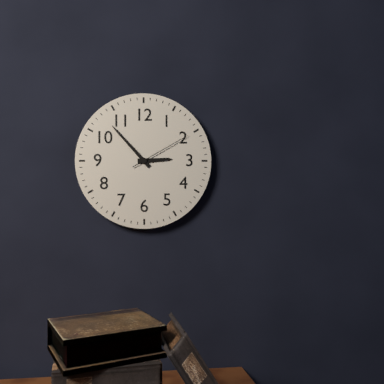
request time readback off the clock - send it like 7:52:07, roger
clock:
2:53:10
